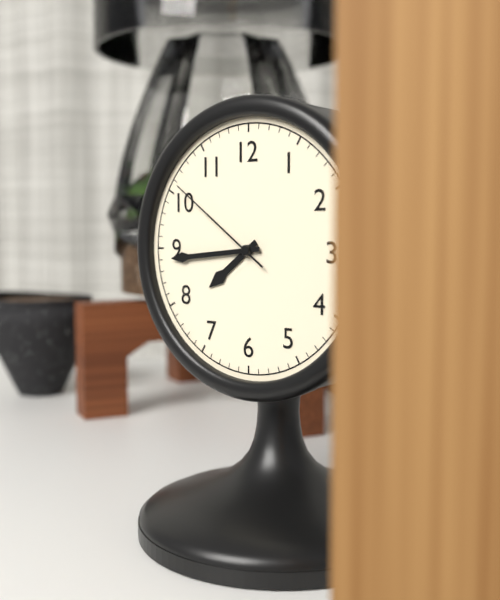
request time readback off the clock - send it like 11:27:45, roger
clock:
7:44:51
